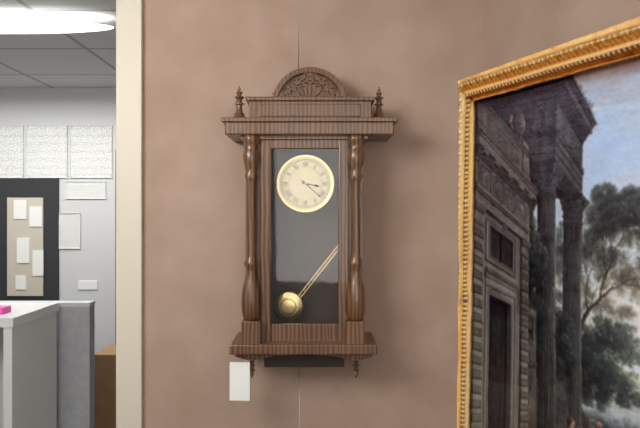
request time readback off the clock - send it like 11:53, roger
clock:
3:22
